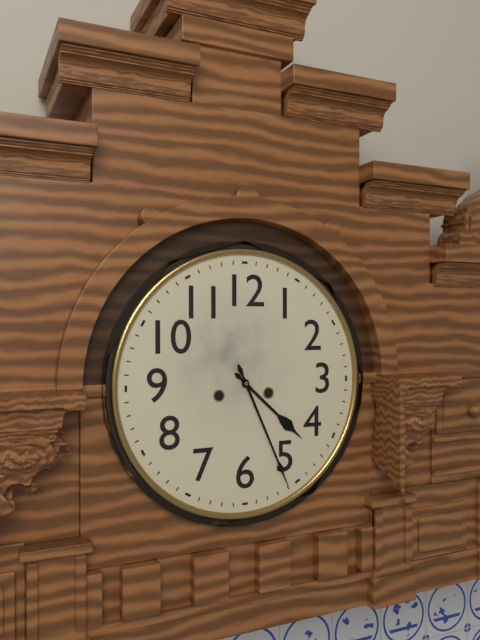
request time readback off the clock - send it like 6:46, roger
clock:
4:26
